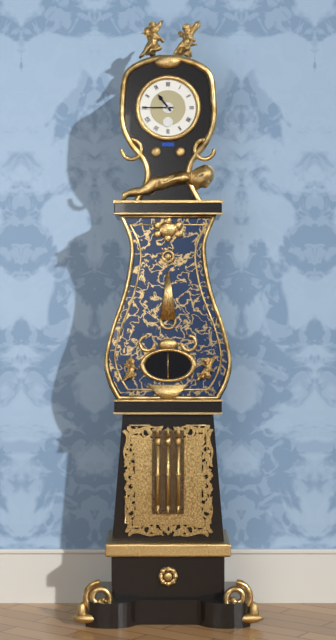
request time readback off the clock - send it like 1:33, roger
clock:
10:45
